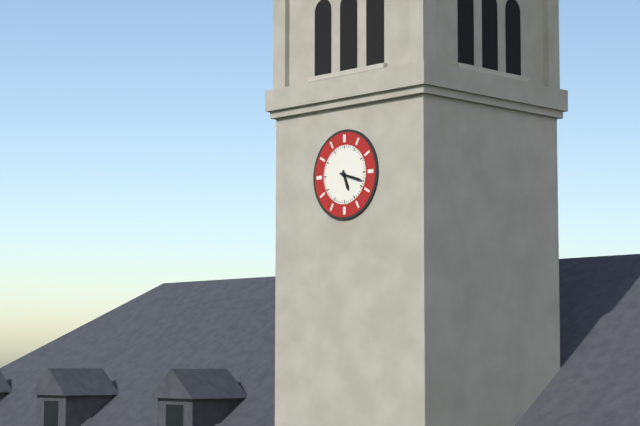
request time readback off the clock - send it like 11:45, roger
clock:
5:18
